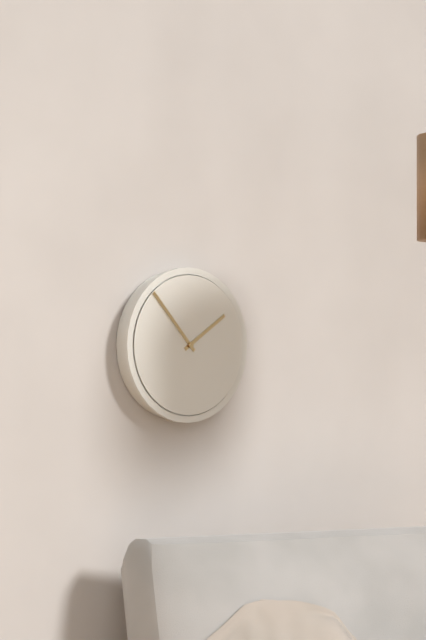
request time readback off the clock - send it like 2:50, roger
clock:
1:53
